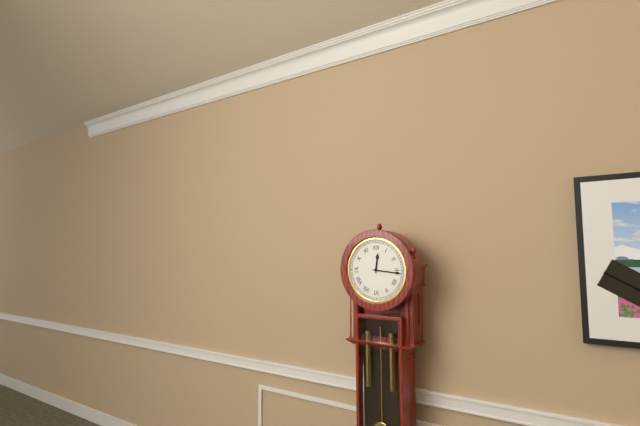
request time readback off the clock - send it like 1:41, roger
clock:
12:16
